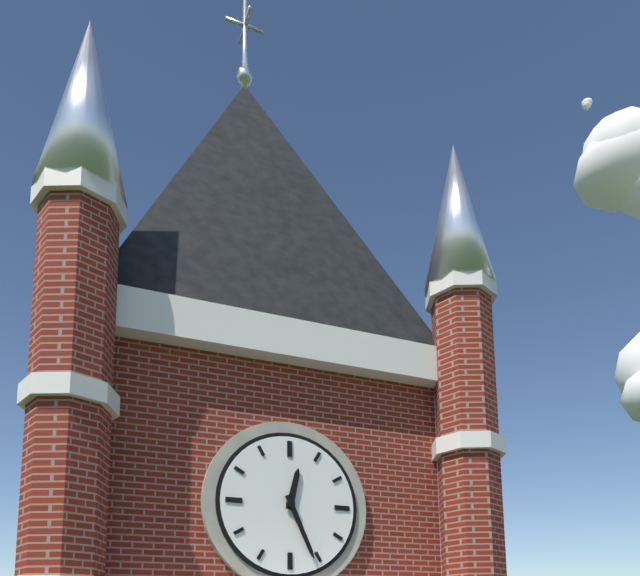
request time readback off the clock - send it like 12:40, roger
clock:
12:26
